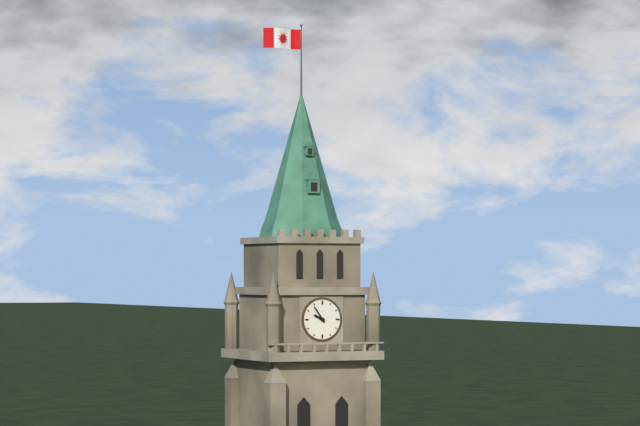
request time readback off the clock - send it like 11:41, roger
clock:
9:54
